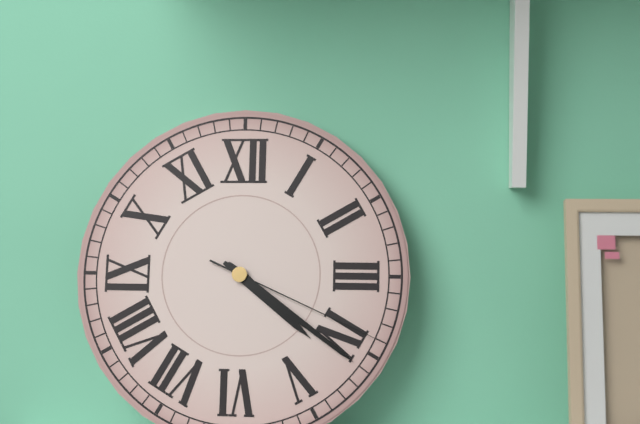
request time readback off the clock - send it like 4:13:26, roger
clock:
4:21:19
